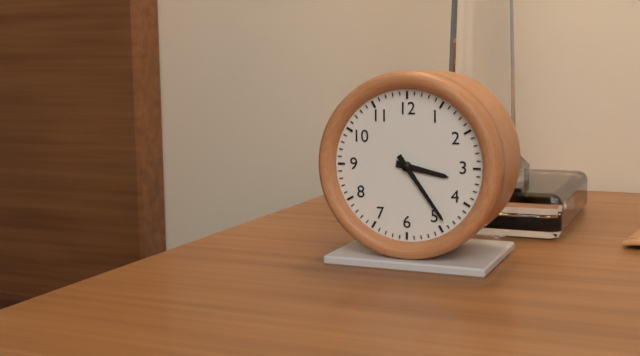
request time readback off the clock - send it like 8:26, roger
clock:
3:24
